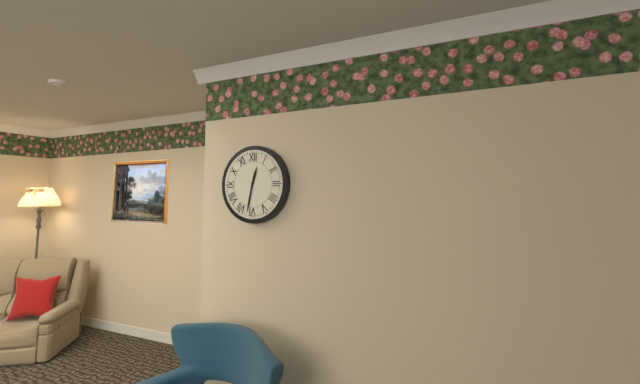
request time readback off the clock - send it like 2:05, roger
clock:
12:32
